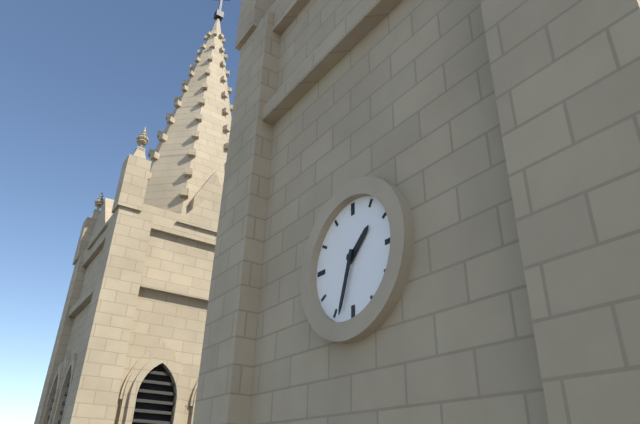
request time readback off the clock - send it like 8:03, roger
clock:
1:33
